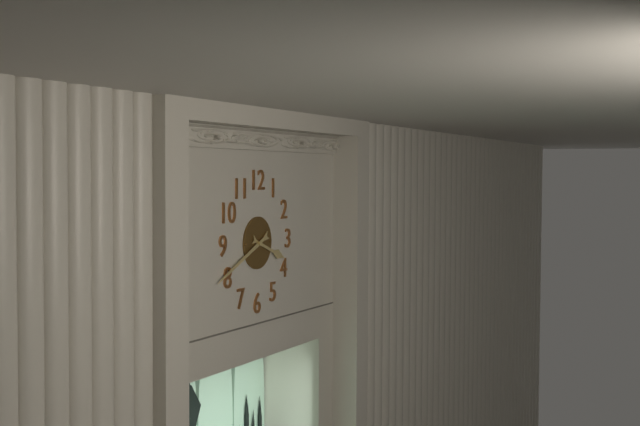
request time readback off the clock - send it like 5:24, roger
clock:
3:41
